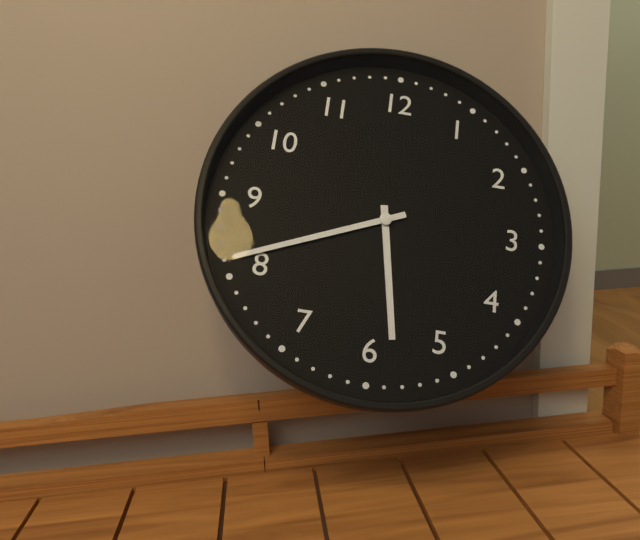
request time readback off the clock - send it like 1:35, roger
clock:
5:41
